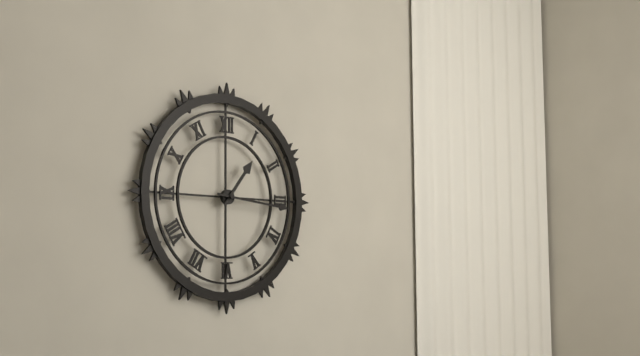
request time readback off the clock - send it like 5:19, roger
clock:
1:16
